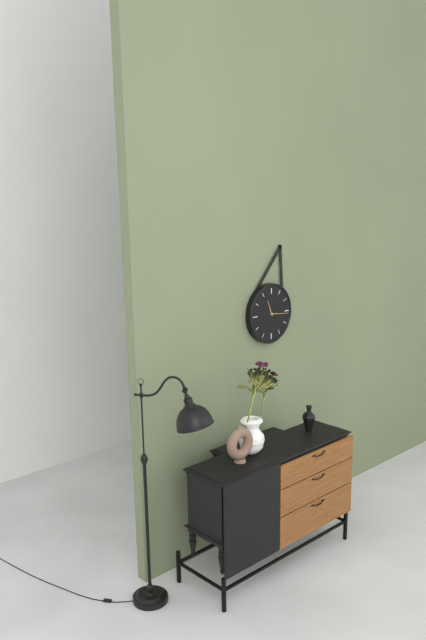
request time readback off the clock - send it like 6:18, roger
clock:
11:16
